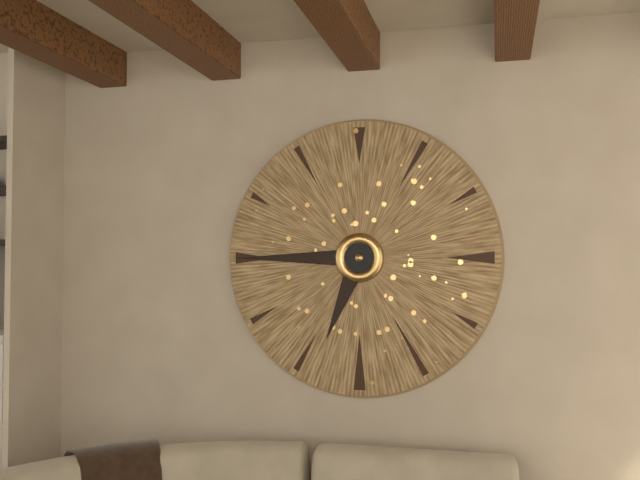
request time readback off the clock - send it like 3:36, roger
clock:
6:45
